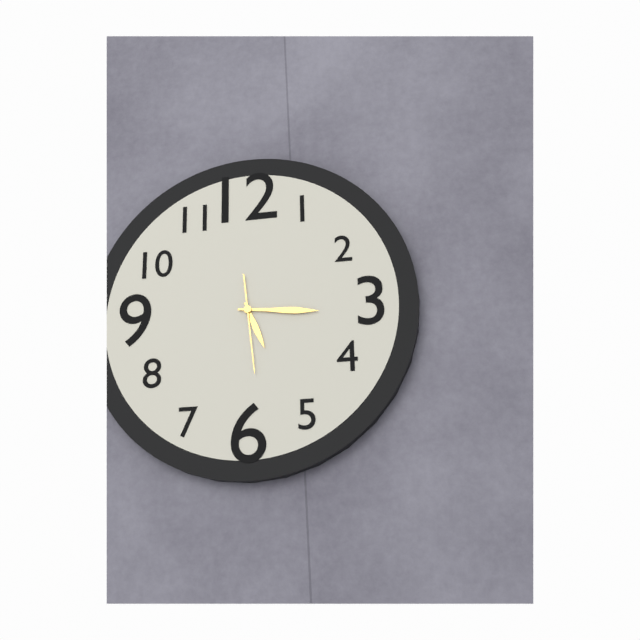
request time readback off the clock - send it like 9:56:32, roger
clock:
5:16:29
